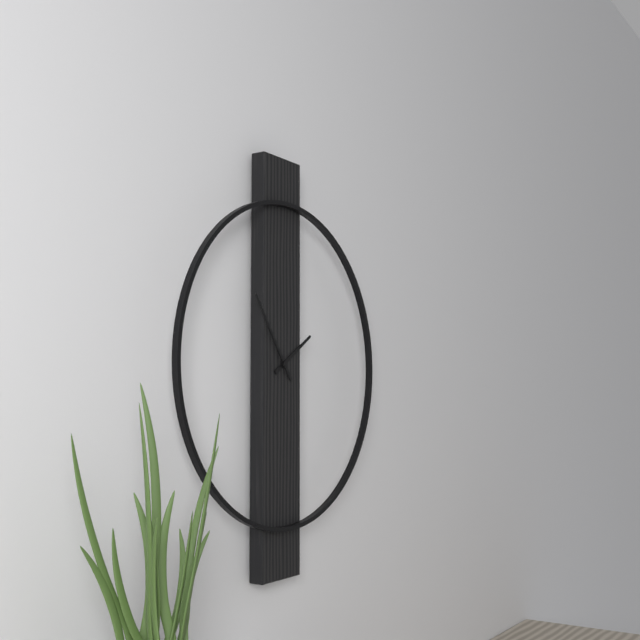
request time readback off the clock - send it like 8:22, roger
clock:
1:54
